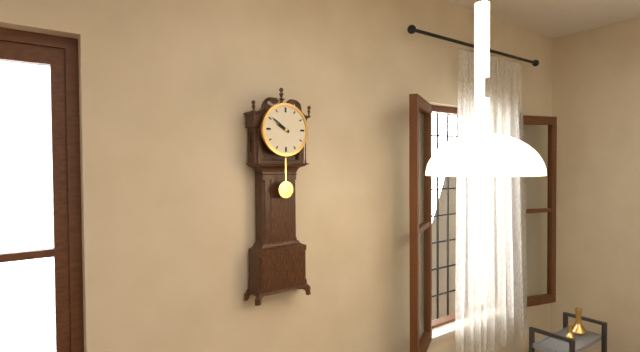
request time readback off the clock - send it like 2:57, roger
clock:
9:51
